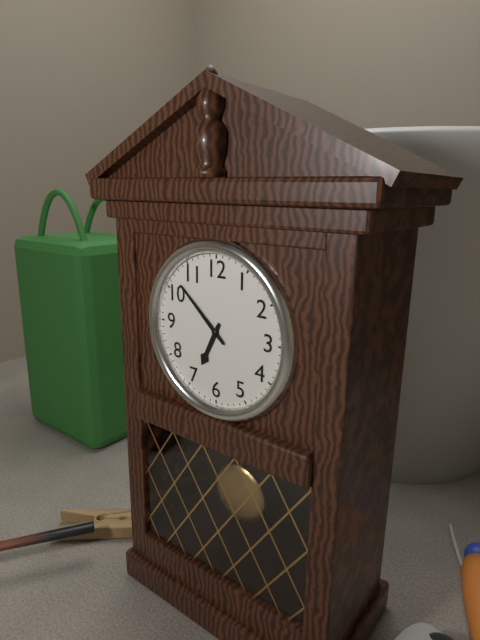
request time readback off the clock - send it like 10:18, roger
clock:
6:52
